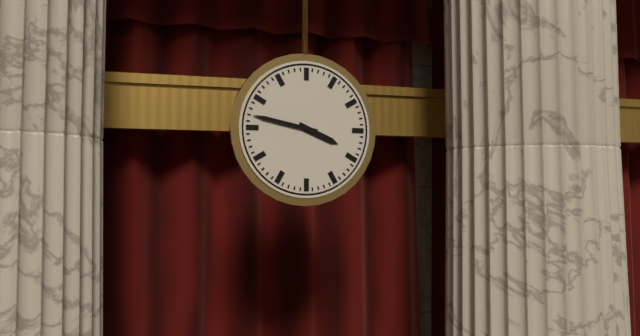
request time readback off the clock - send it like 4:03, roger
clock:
3:47
